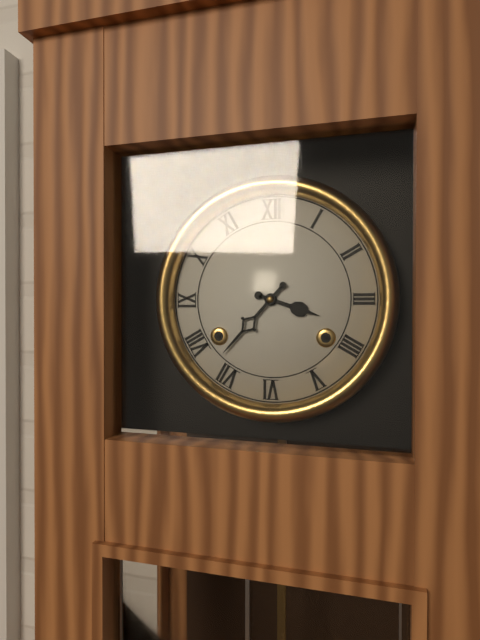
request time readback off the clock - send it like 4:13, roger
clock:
3:37
